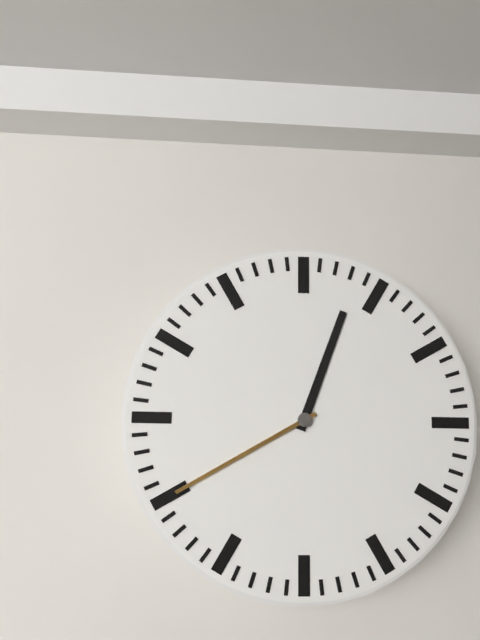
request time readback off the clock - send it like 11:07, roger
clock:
12:40
